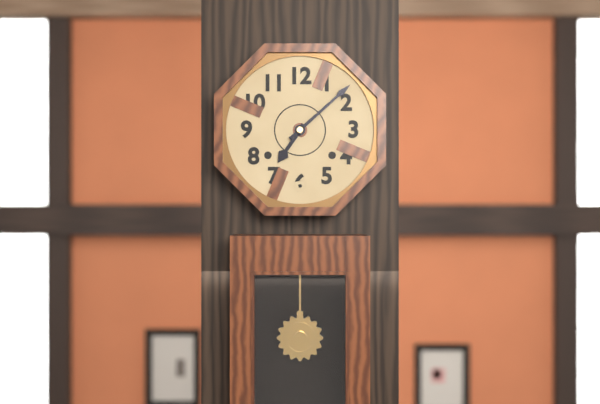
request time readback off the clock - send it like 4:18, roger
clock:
7:08
